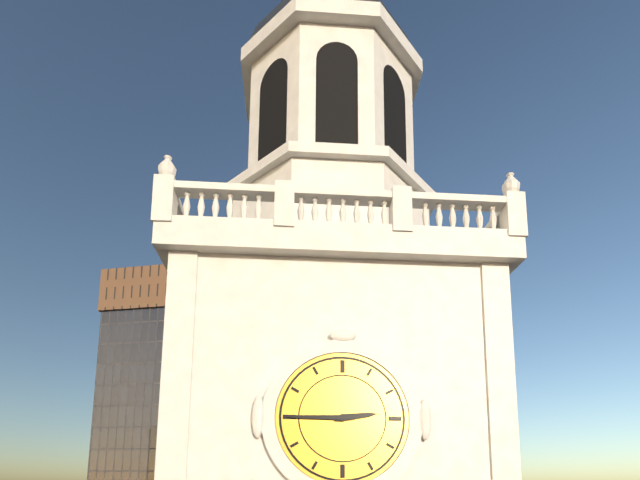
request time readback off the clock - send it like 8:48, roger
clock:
2:45
